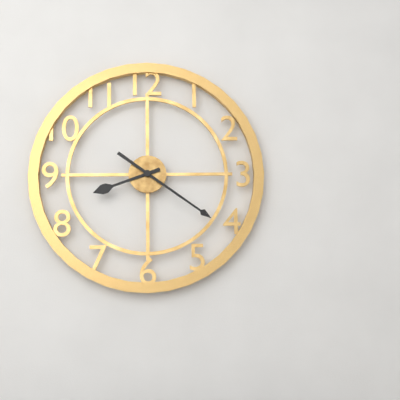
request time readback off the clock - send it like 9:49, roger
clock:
8:21
